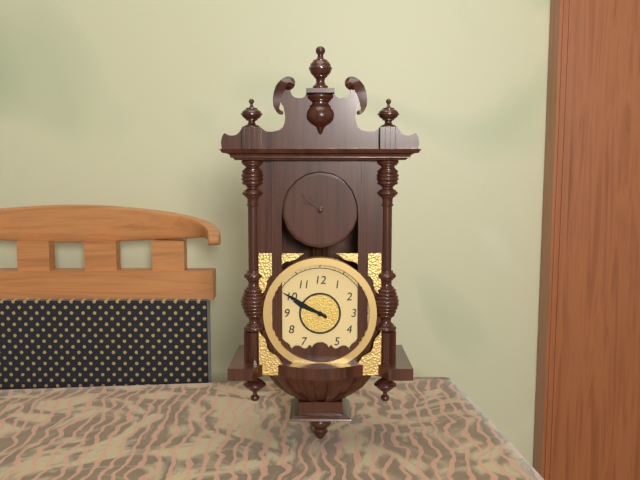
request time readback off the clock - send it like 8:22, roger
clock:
9:50
